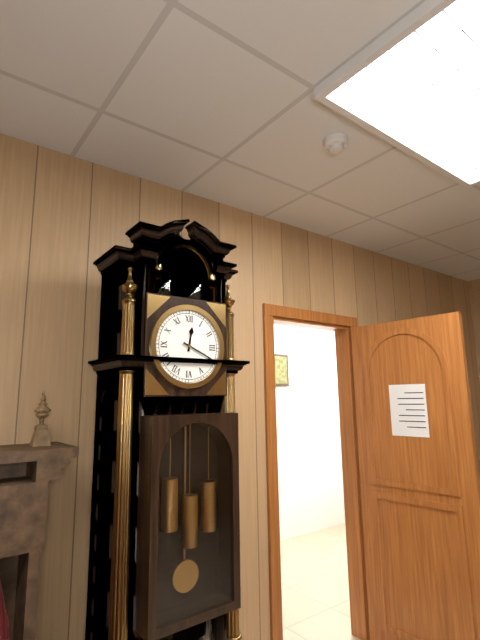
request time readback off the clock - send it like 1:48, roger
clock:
12:19
